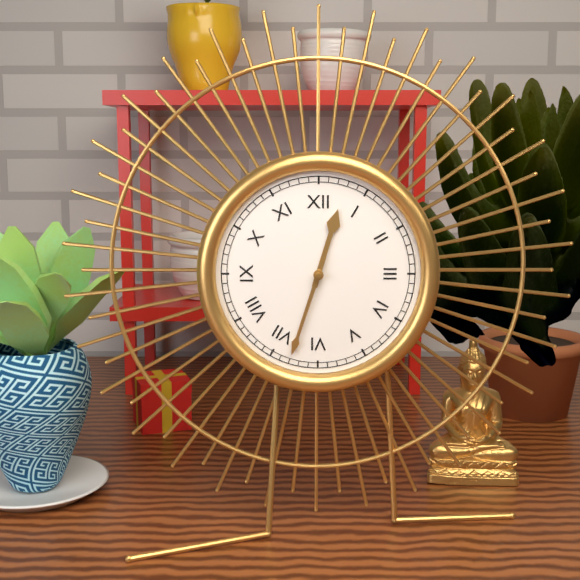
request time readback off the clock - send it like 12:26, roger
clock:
12:33
